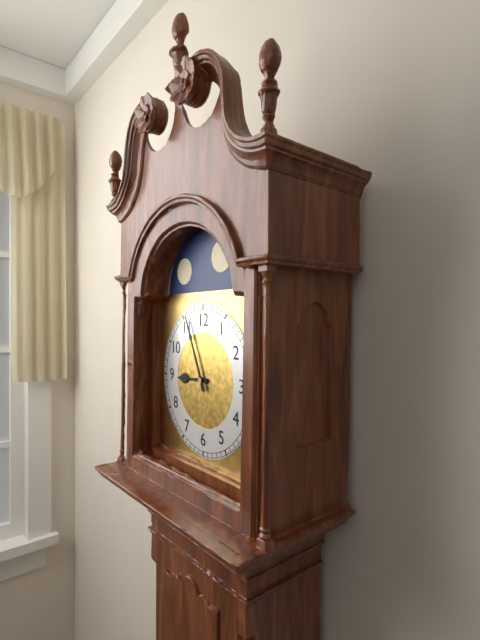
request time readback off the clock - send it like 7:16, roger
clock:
8:56
